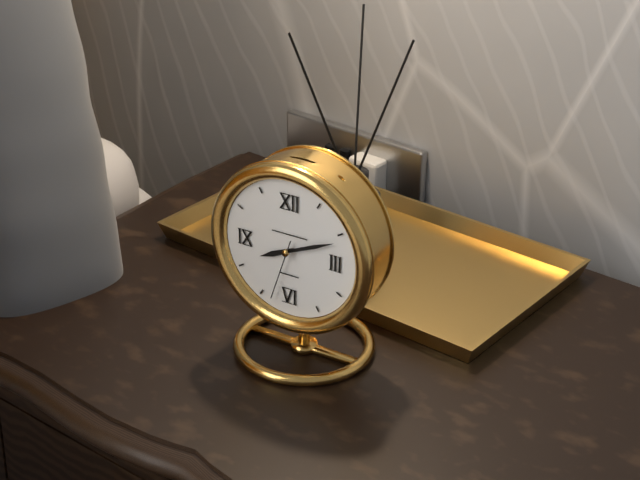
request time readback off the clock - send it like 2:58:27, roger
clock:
8:11:33
